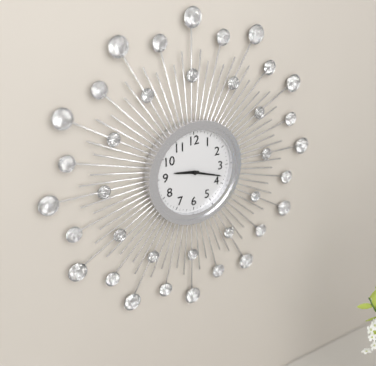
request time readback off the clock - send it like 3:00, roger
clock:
9:18
